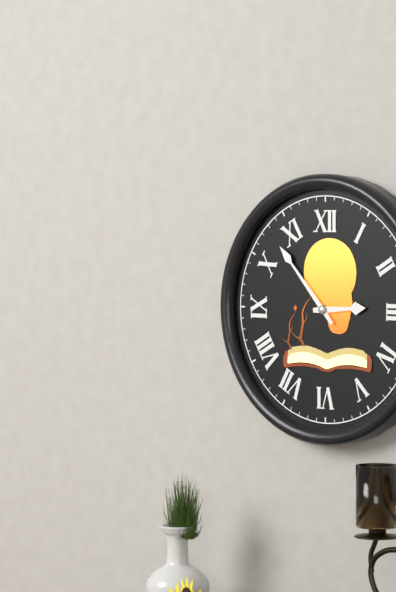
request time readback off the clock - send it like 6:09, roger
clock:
2:53
